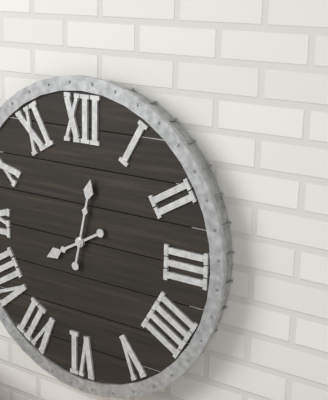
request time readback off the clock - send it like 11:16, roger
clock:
8:02
